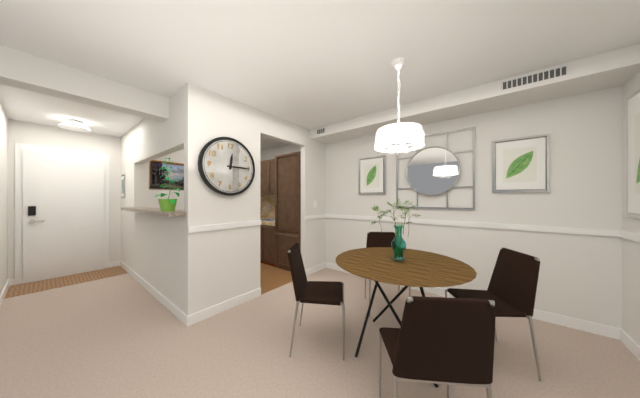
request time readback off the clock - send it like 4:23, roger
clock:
12:15
